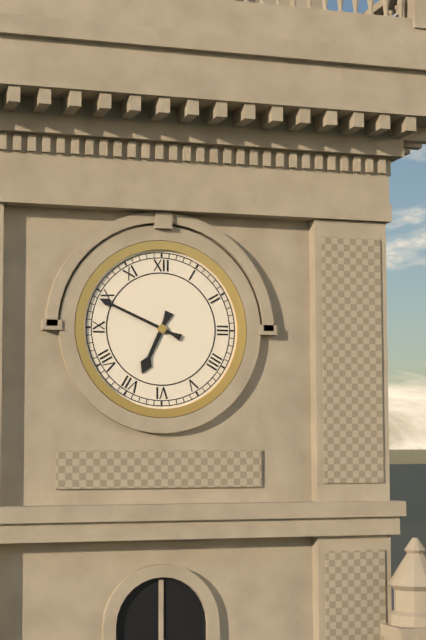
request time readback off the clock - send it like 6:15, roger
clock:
6:49
